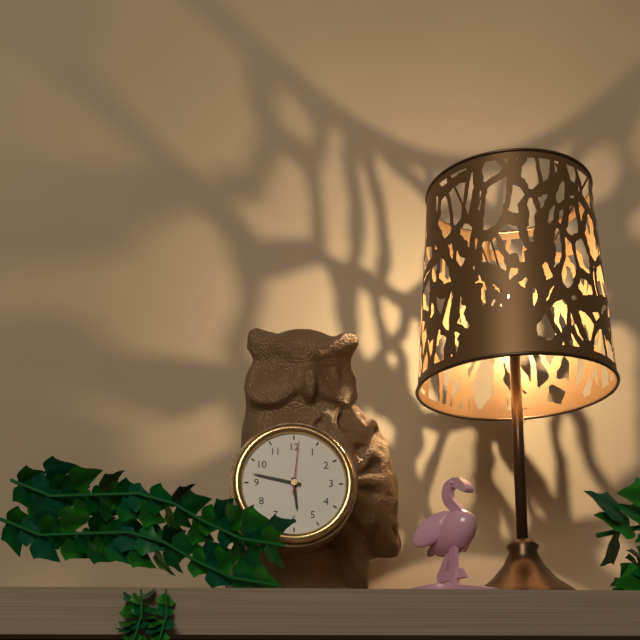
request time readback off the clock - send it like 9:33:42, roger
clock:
5:47:01
